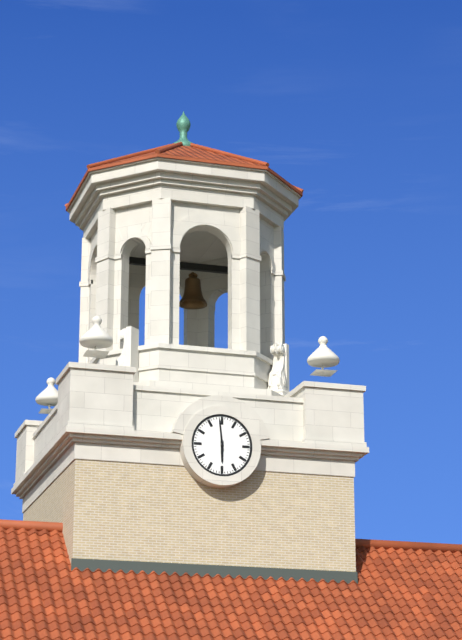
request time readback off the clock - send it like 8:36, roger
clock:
5:59
